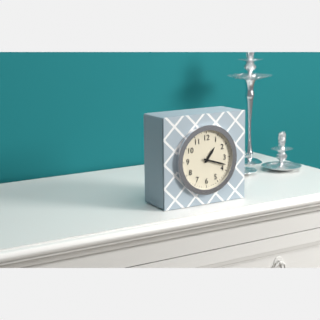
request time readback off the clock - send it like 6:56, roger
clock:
1:18
